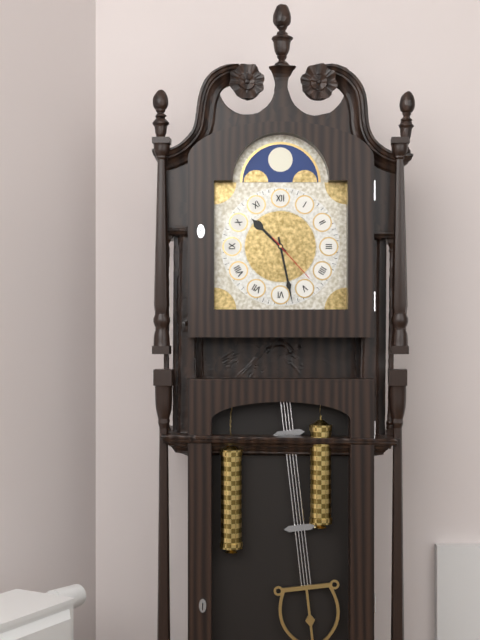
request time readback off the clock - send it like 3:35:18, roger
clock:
10:28:23
